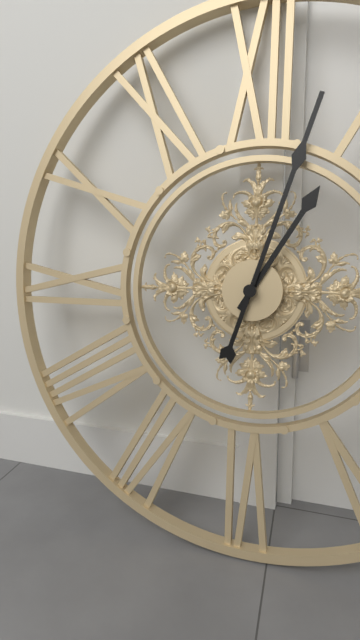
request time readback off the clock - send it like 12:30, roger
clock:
1:03
